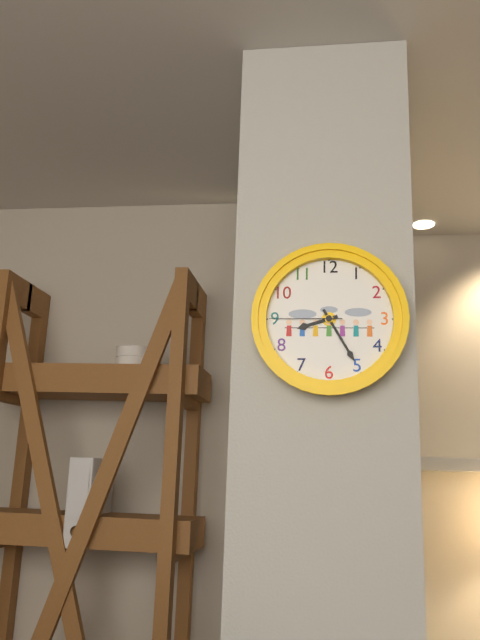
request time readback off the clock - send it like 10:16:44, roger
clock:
8:25:45
